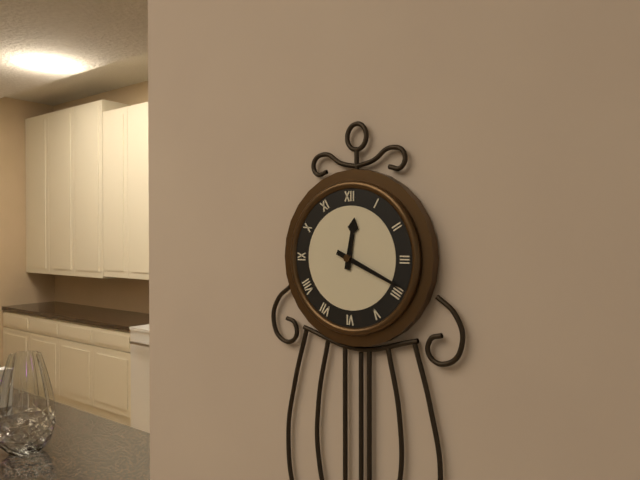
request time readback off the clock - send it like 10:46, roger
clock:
12:19
